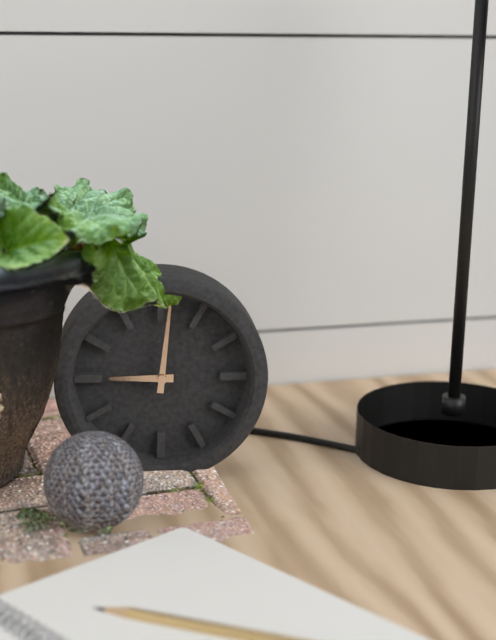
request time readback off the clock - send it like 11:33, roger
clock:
9:01
